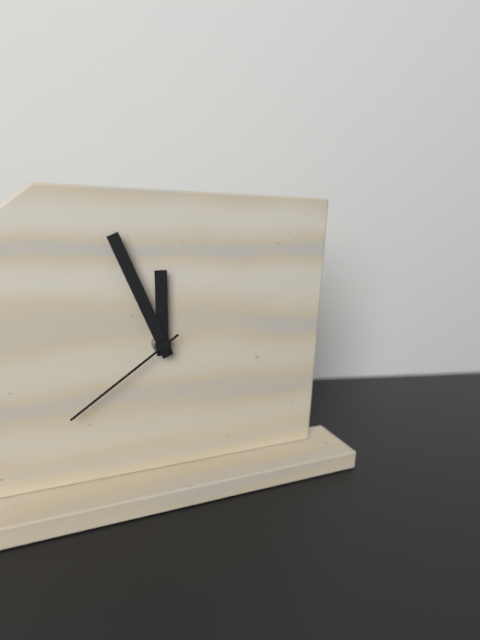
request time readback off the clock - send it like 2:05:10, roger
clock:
11:56:39
